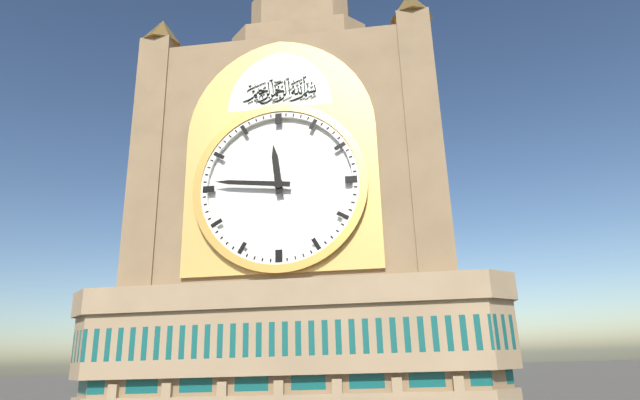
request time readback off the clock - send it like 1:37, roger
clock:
11:46
